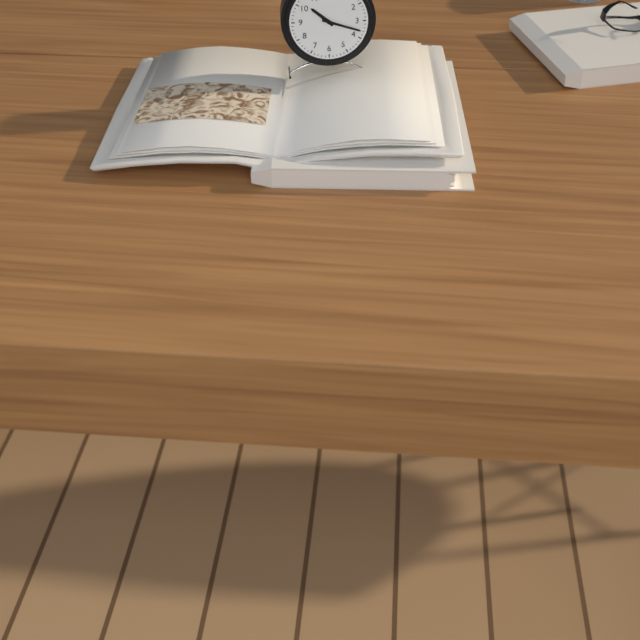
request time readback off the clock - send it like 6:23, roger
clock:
10:18
